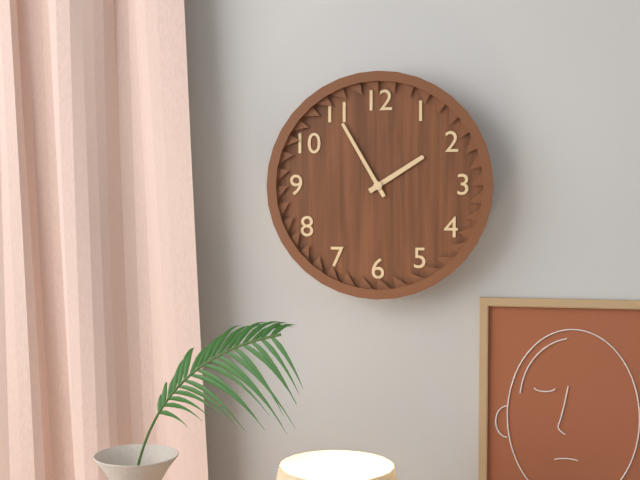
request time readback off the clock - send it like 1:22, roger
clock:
1:55
